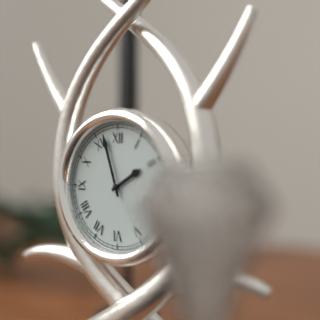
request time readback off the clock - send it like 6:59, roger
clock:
1:57
